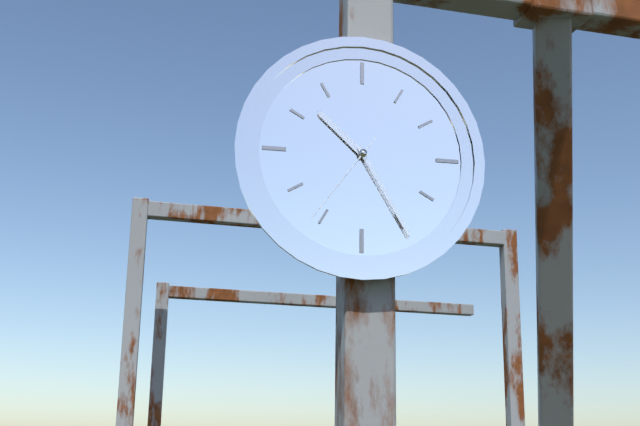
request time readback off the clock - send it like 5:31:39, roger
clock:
10:25:36
